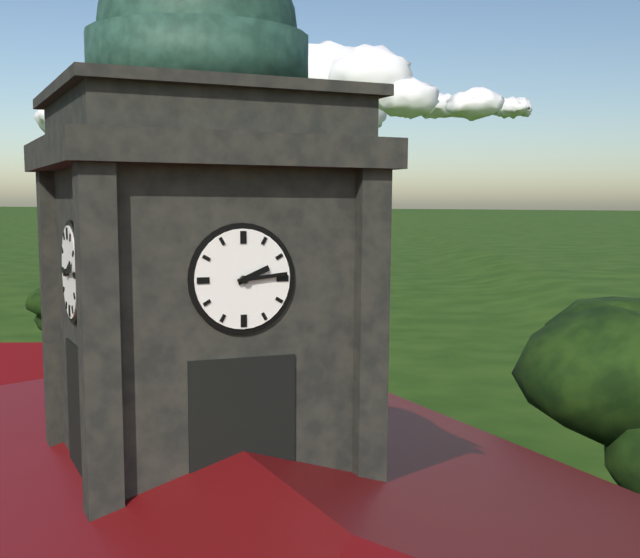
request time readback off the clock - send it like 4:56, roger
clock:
2:14
